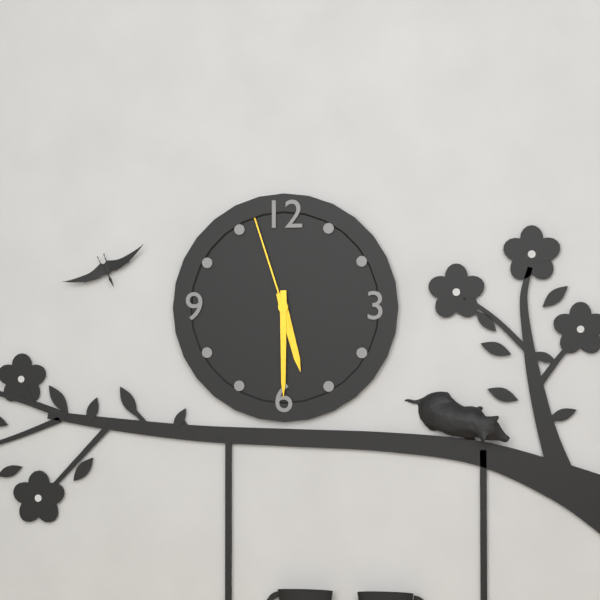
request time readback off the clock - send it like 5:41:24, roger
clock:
5:30:57
